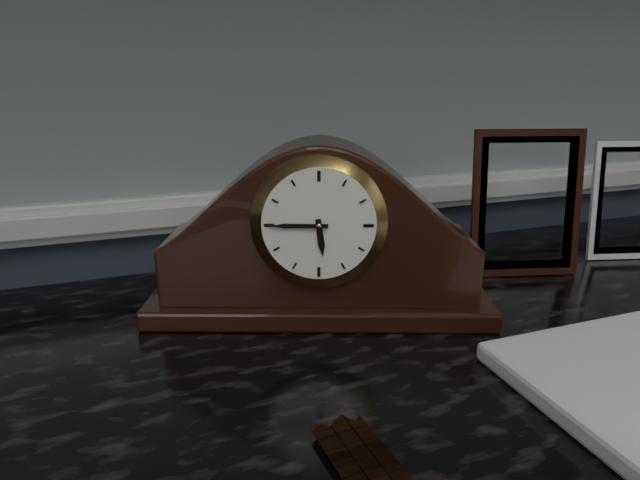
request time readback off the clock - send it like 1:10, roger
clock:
5:45
